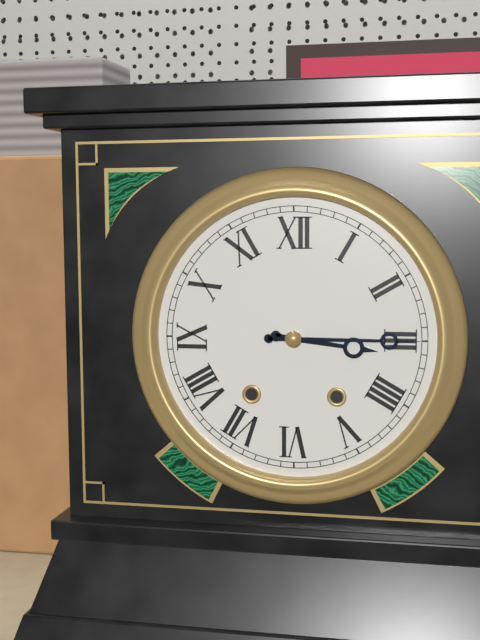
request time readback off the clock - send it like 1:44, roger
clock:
3:15
